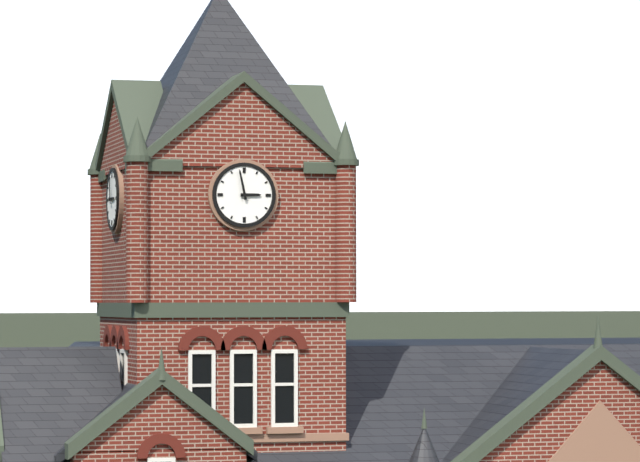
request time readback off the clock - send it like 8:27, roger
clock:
2:58
